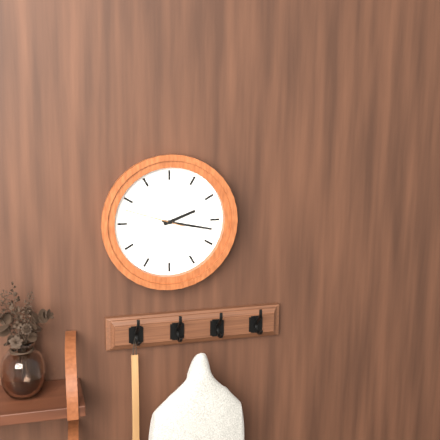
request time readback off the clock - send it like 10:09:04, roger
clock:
2:17:48
